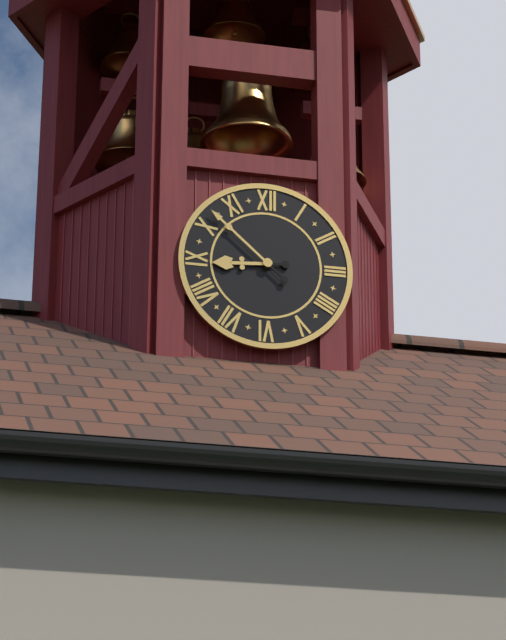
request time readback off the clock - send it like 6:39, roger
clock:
8:52
